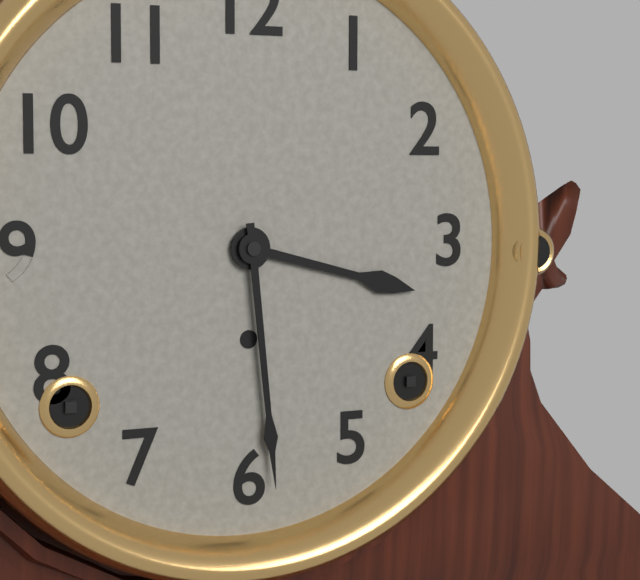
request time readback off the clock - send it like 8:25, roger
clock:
3:29
